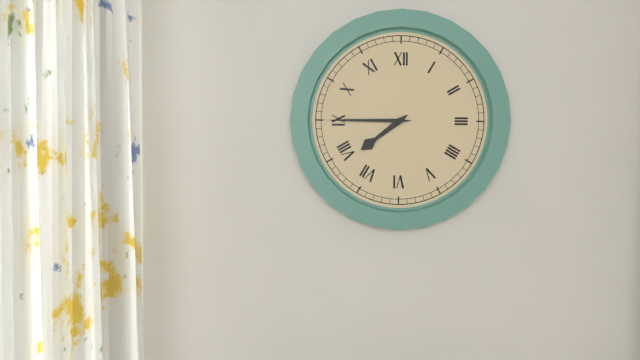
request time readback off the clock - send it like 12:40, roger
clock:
7:45
